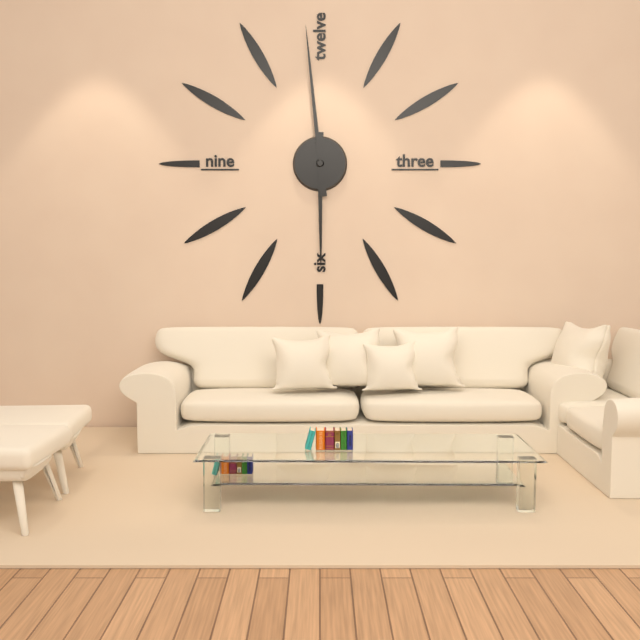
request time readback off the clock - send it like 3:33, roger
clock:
5:59
